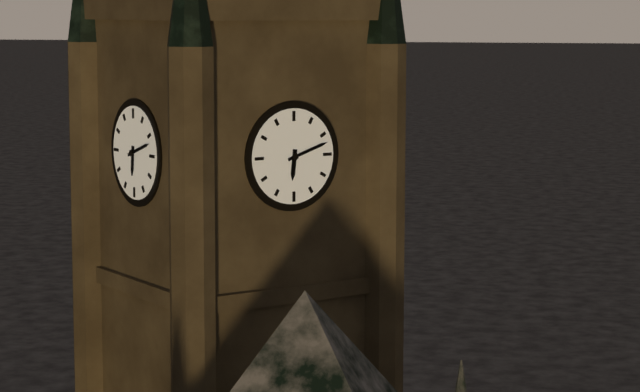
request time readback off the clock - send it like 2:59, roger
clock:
6:12
